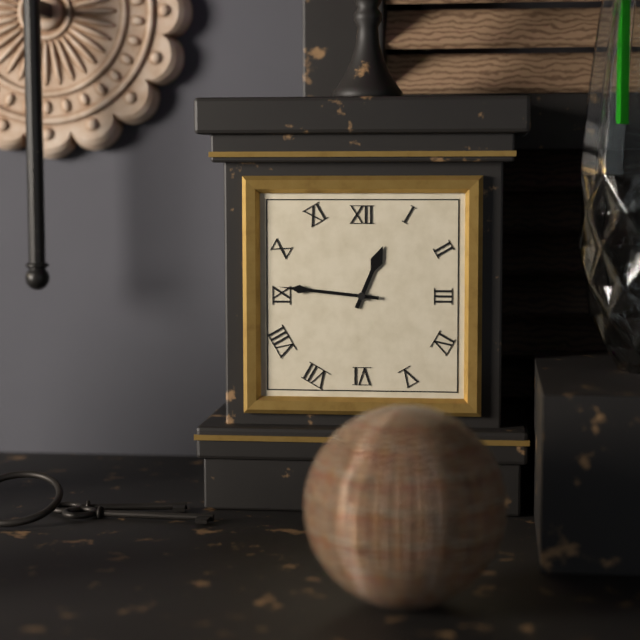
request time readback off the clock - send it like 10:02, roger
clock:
12:46
